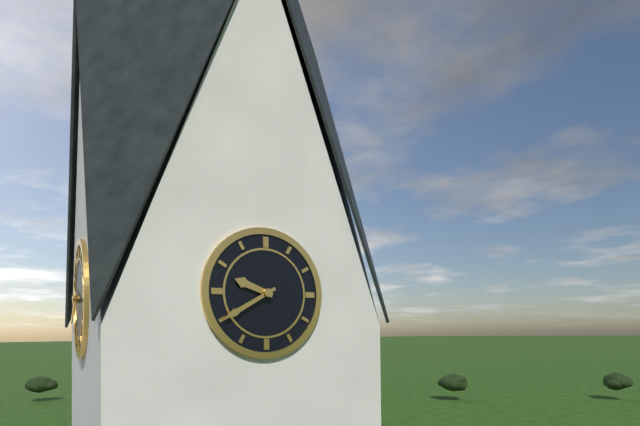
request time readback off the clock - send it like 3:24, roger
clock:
9:40
